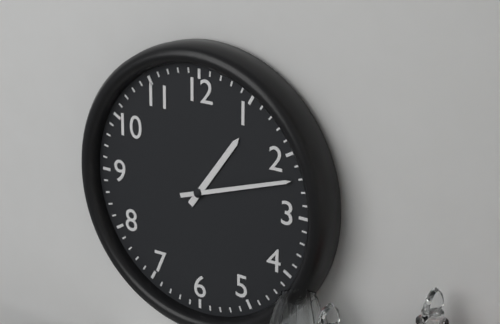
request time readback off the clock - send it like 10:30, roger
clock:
1:12
